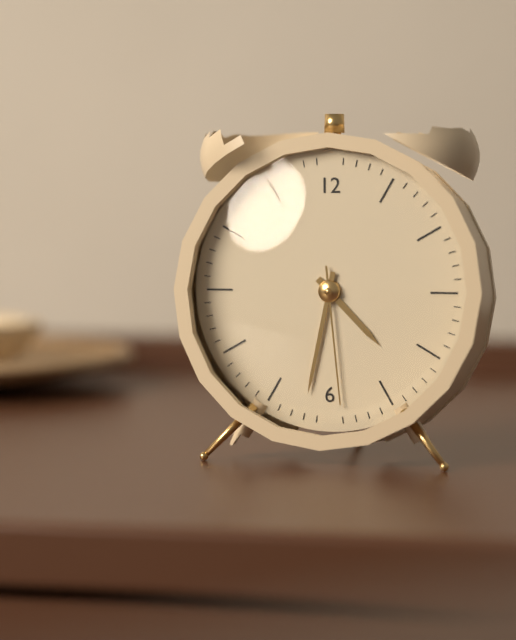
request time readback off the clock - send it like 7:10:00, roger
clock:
4:32:29
